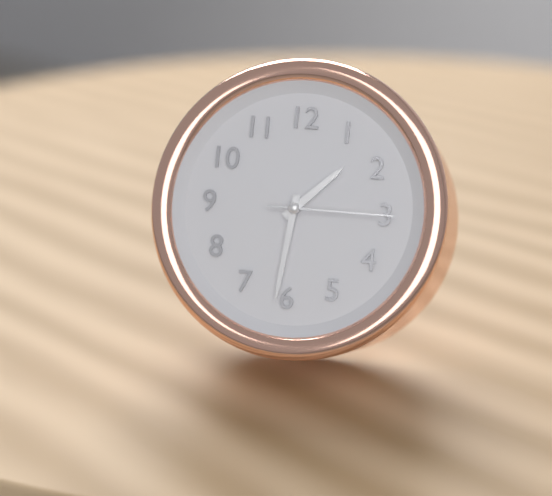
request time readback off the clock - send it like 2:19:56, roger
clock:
1:31:15
